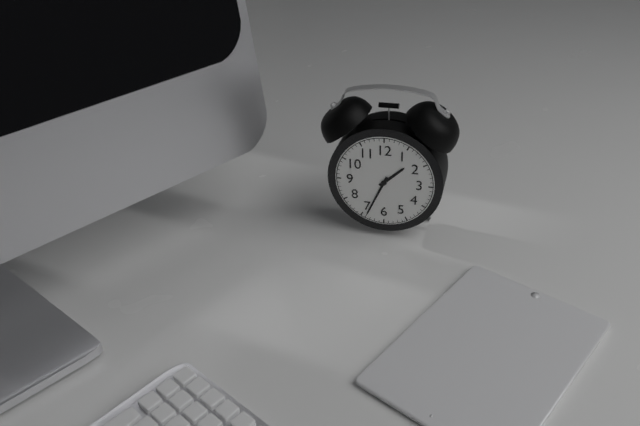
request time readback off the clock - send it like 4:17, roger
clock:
1:34
